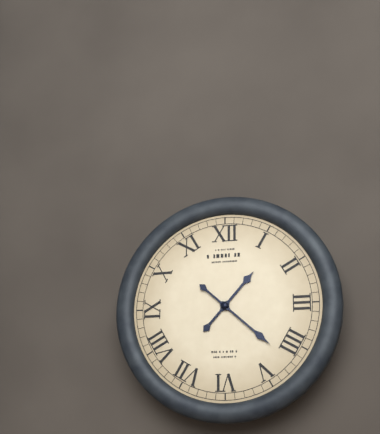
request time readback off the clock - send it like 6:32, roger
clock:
1:22
